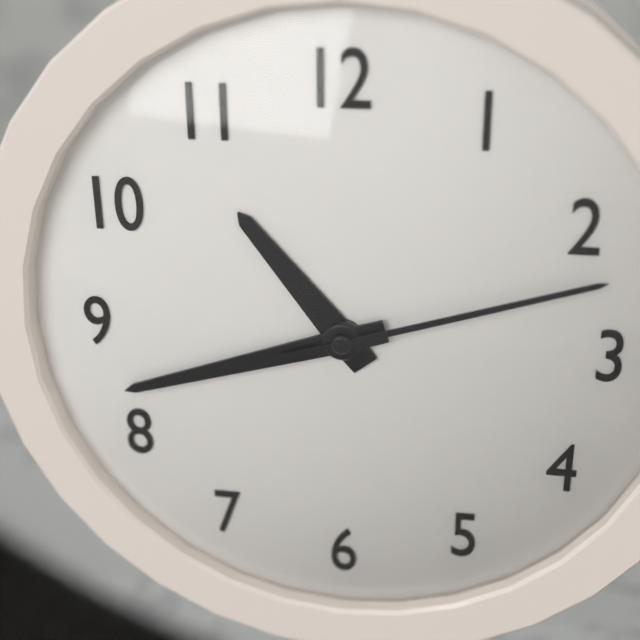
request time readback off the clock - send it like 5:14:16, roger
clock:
10:42:12
